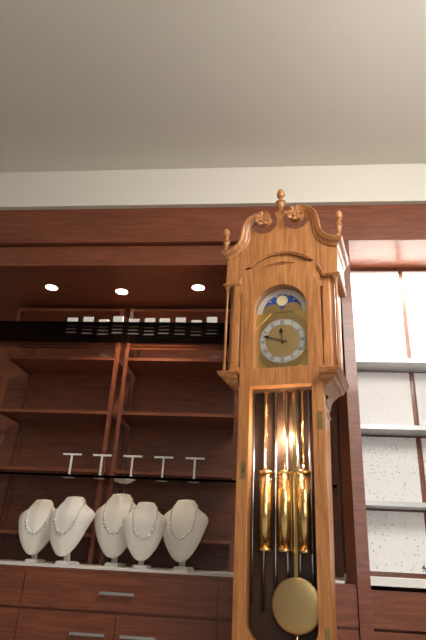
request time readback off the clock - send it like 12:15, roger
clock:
11:48
